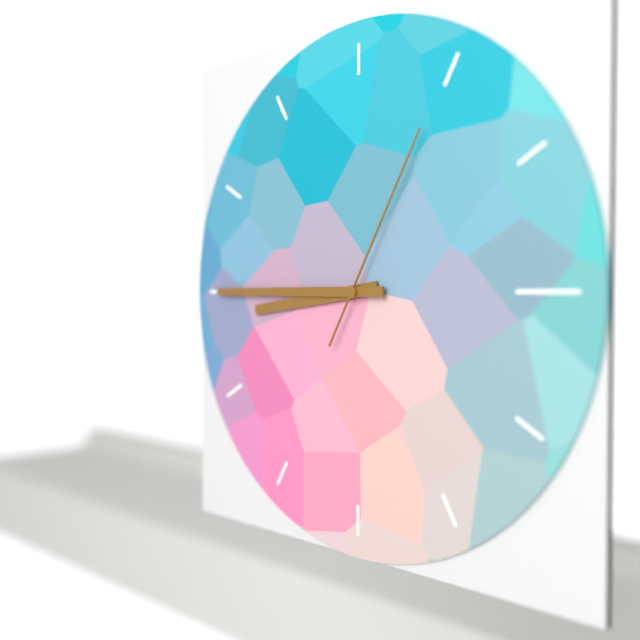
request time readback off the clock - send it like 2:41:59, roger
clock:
8:45:05
